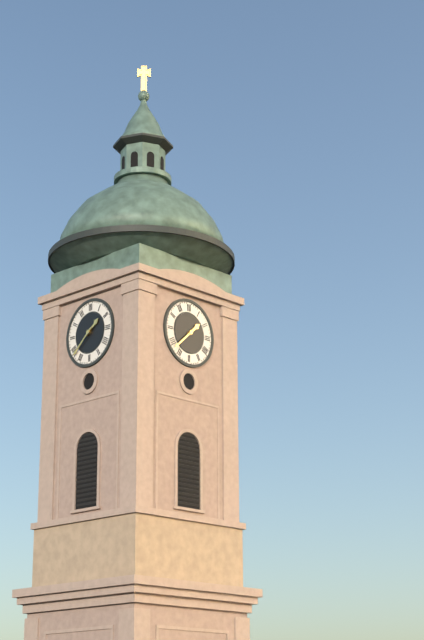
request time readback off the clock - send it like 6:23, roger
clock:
1:38
